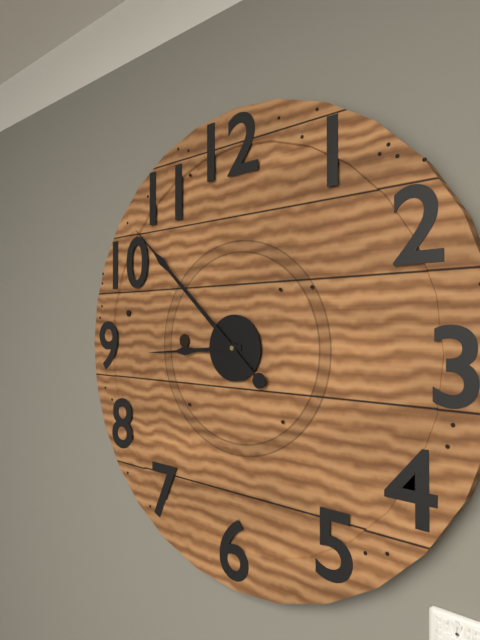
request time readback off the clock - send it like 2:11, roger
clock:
8:52
